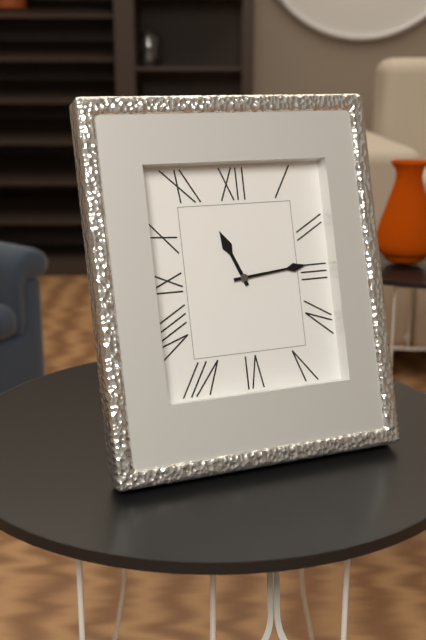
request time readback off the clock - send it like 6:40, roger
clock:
11:14
